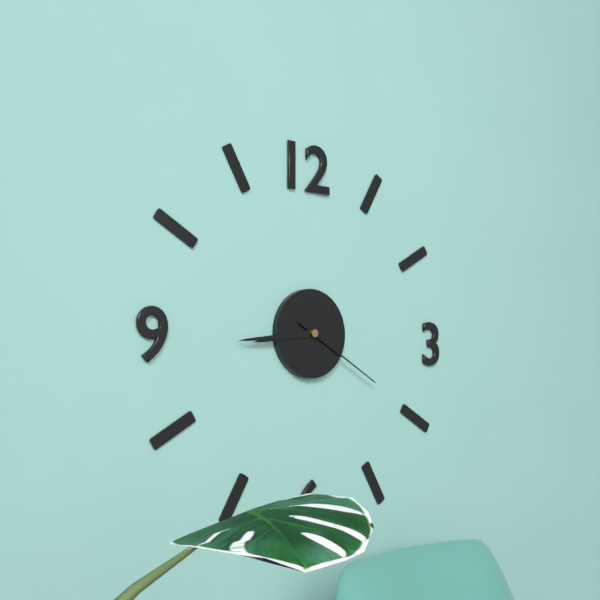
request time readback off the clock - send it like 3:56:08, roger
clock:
8:44:20
